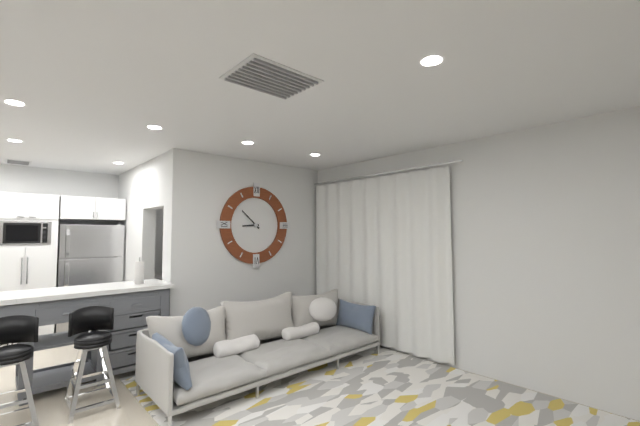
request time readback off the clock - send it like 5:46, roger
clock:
8:52
